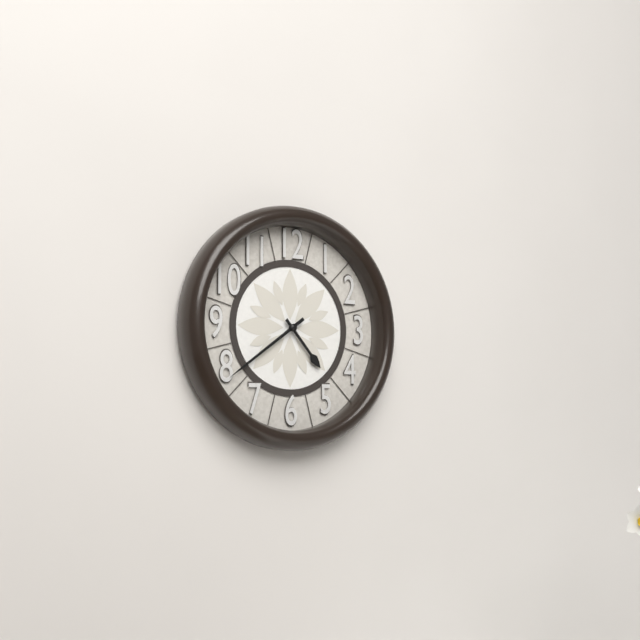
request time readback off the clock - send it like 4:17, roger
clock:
4:39
